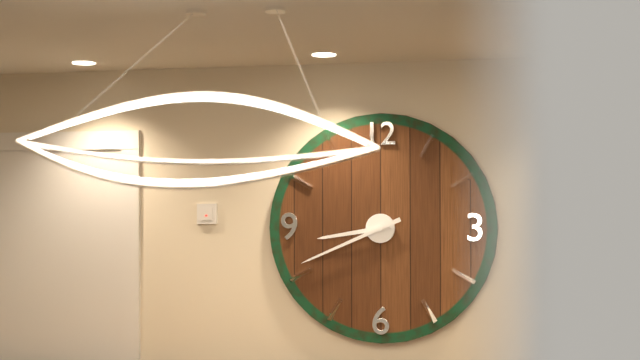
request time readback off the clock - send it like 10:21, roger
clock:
8:41
